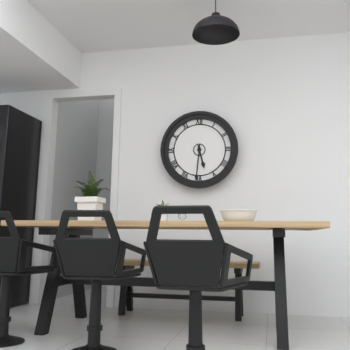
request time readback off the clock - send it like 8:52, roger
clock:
5:31
